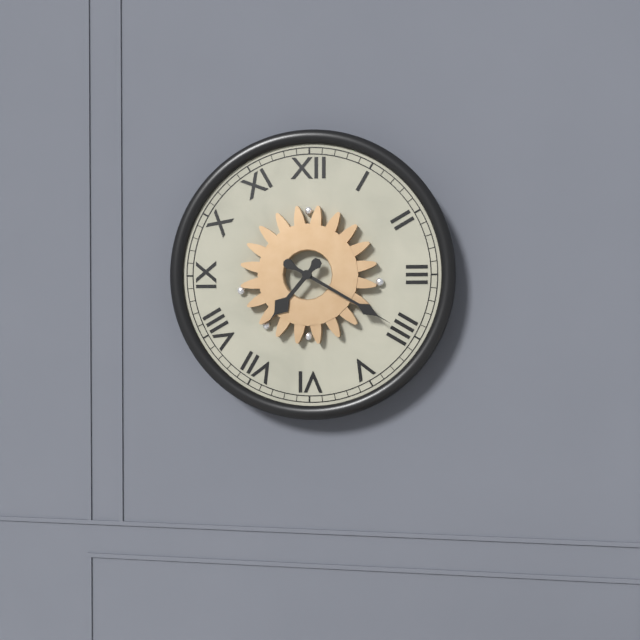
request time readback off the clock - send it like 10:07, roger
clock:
7:20
